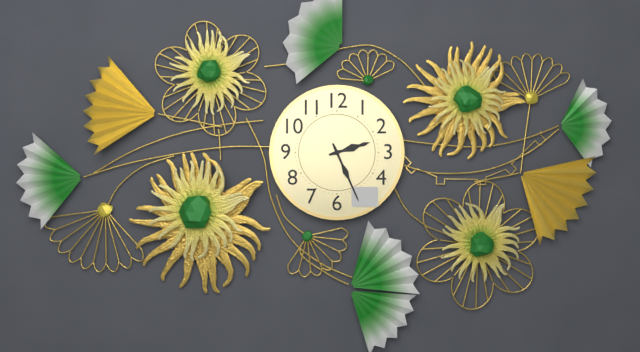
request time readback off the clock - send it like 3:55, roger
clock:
2:26
